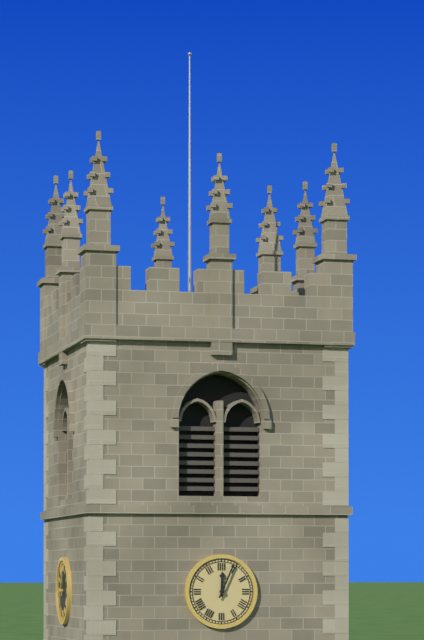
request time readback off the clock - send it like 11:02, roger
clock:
12:04
